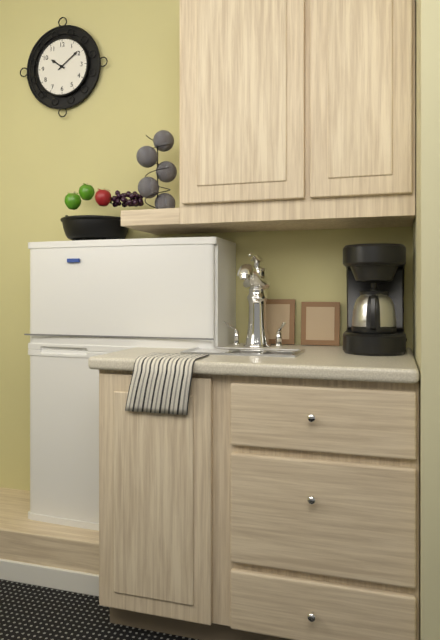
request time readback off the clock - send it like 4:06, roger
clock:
10:09
